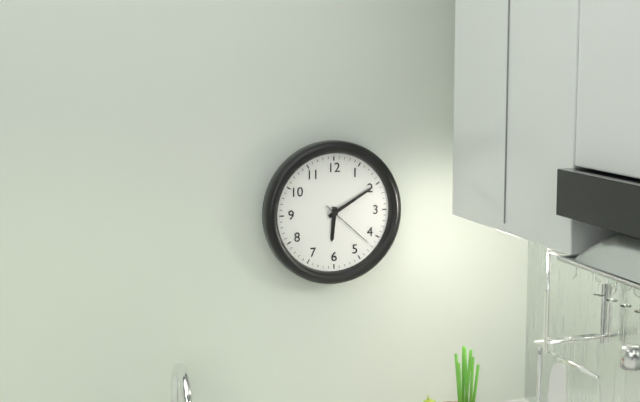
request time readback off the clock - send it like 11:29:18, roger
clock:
6:10:22
